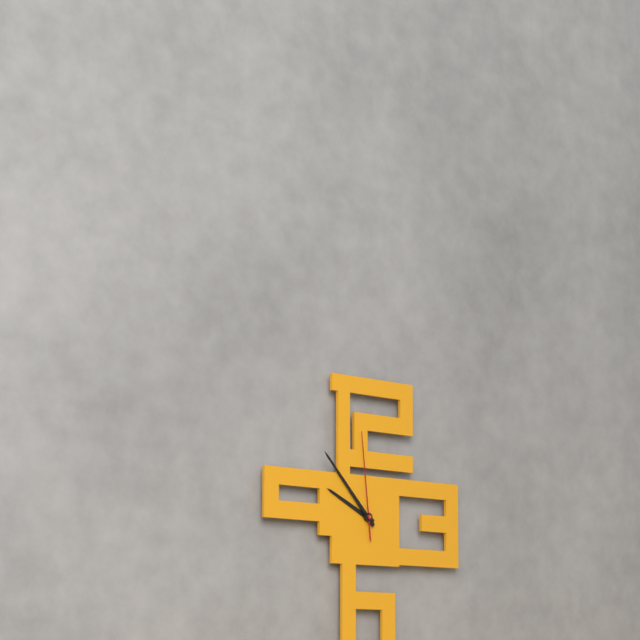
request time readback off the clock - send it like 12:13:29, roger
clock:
9:53:59
